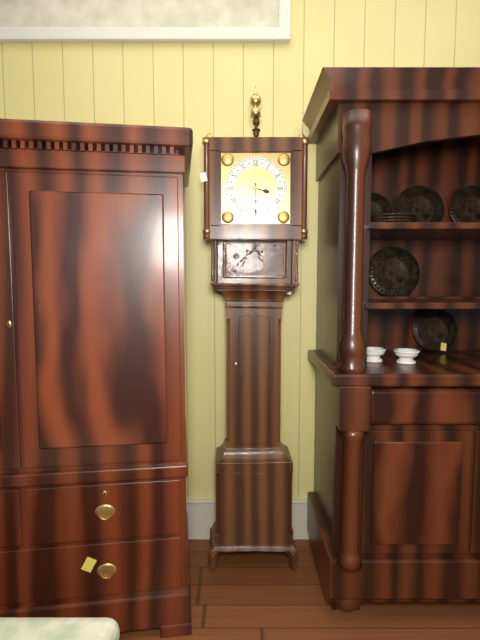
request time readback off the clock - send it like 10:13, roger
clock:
3:30
